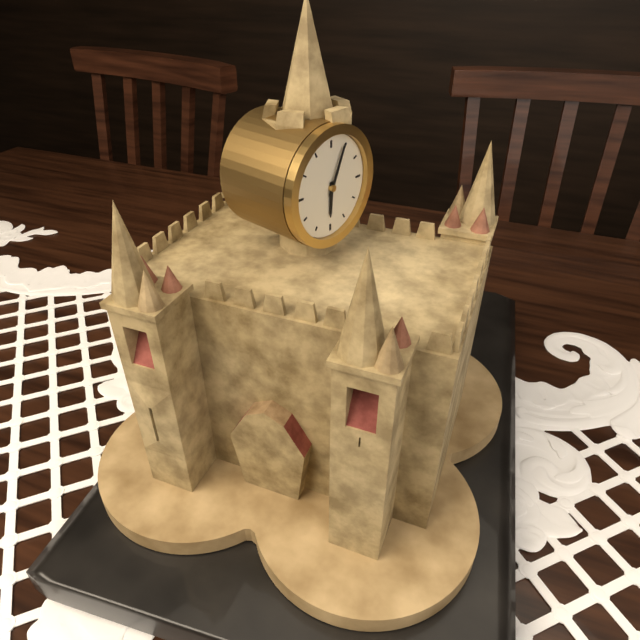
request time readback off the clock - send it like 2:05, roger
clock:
6:04
